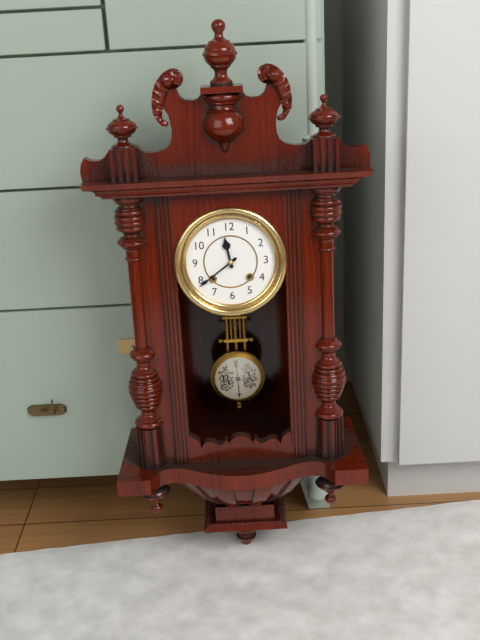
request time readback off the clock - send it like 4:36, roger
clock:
11:39
